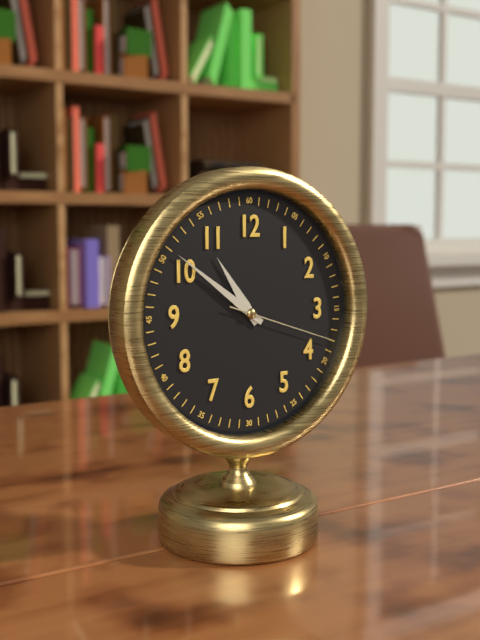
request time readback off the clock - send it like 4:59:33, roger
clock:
10:51:18
